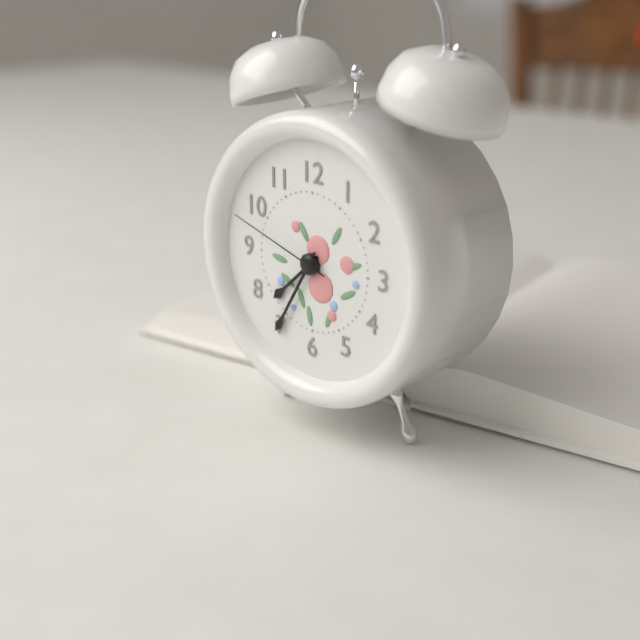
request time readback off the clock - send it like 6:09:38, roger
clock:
7:35:48
